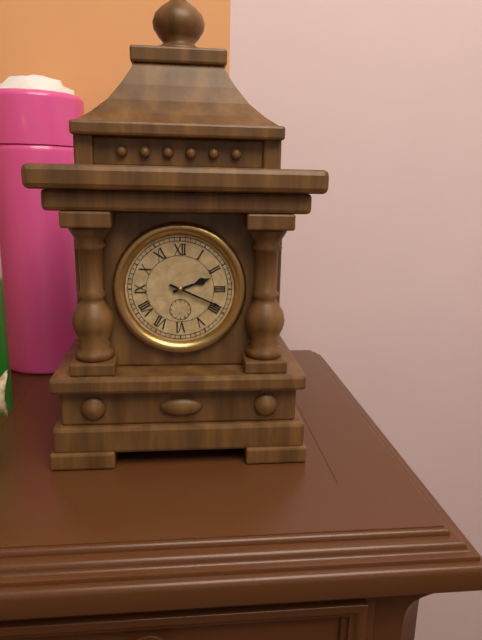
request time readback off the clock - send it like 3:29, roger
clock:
2:19
